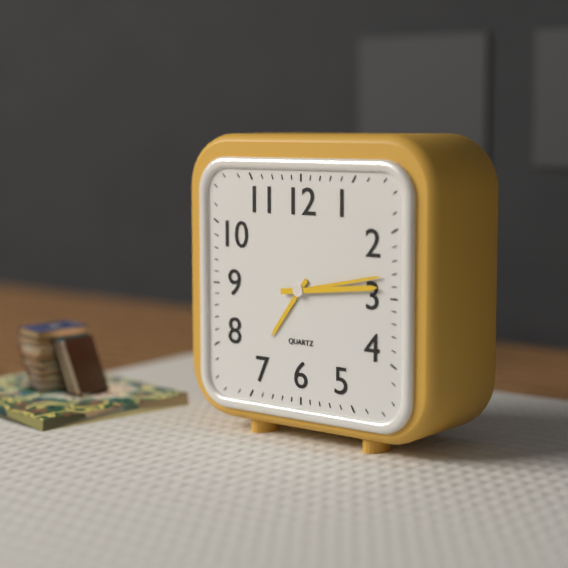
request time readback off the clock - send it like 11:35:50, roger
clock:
7:13:14
